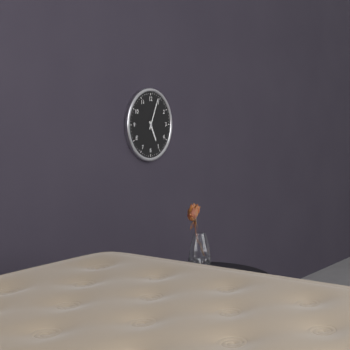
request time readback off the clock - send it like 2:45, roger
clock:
5:04
